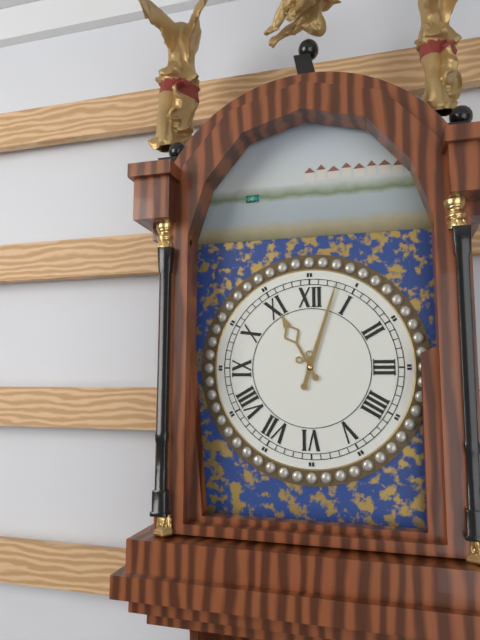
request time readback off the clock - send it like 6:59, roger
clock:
11:03
